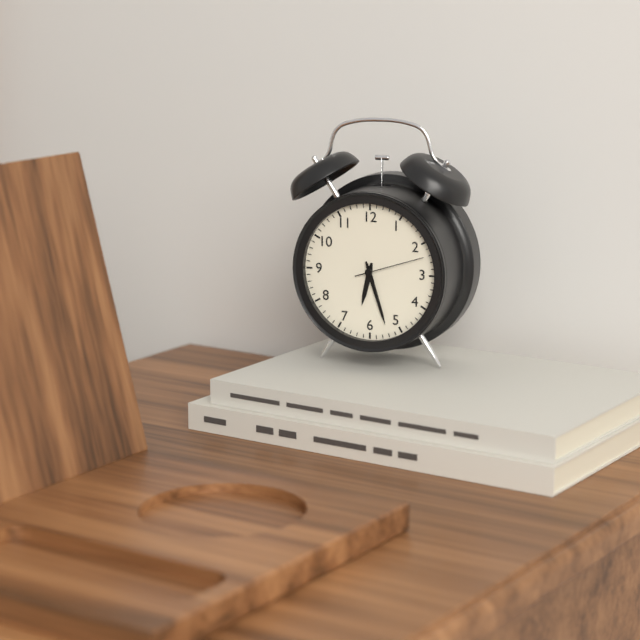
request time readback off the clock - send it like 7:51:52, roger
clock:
6:27:12
